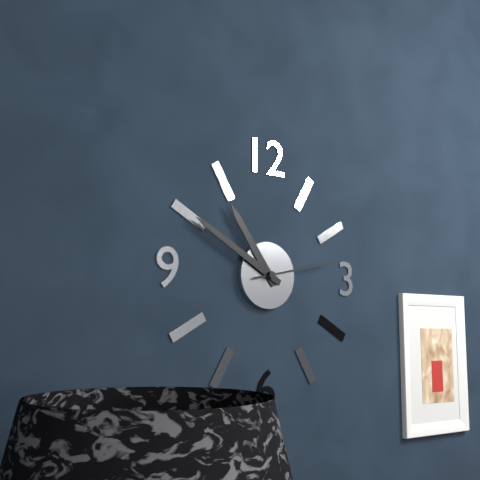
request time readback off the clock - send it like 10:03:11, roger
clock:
10:50:13
